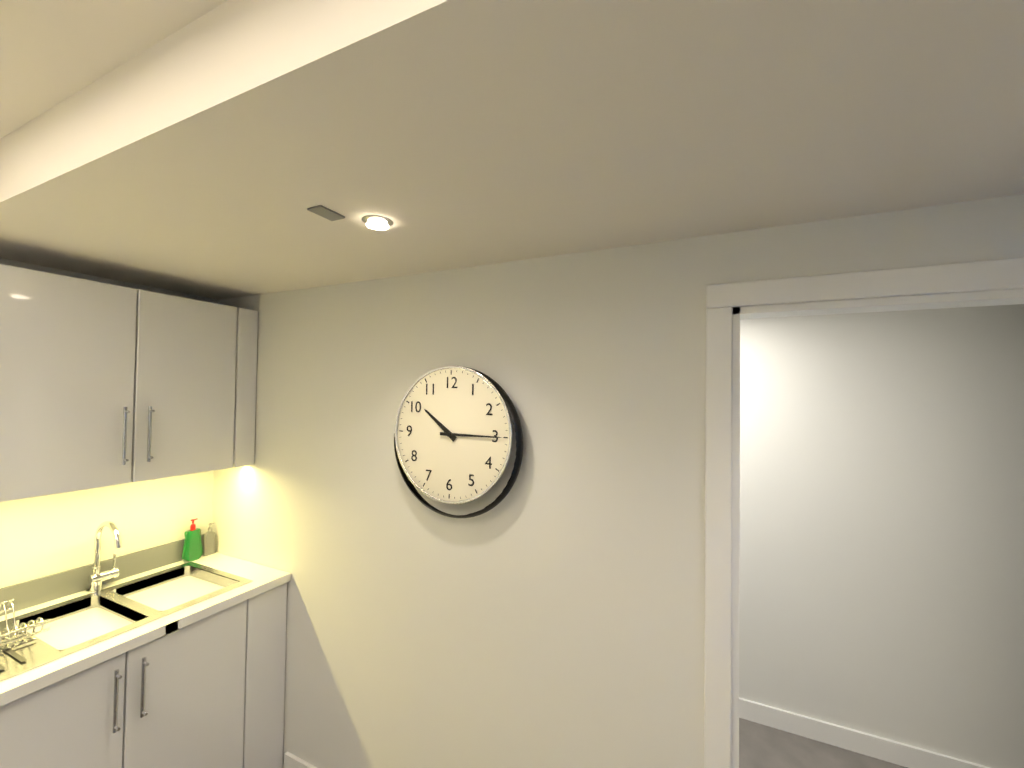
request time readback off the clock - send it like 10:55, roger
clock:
10:15
